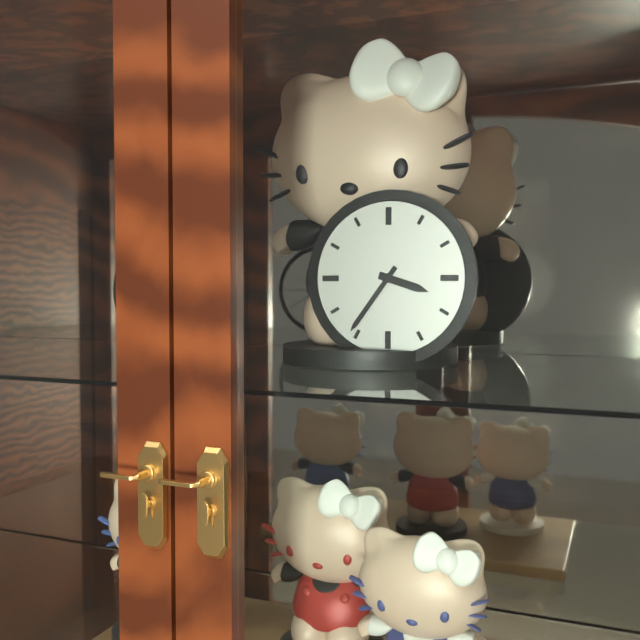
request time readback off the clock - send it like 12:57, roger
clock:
3:36
